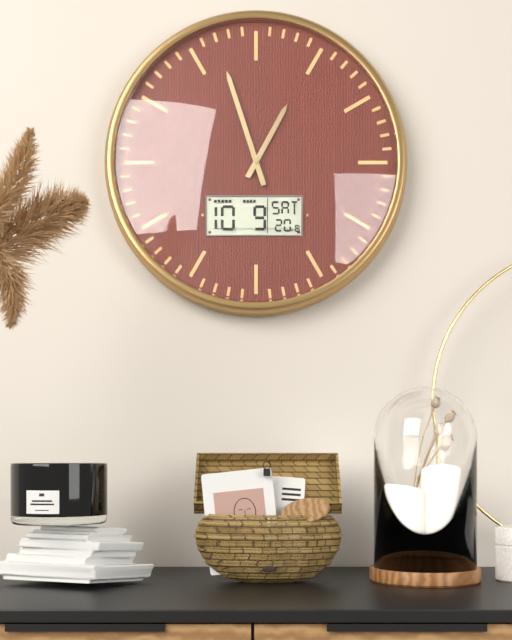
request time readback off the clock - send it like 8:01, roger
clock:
12:57
